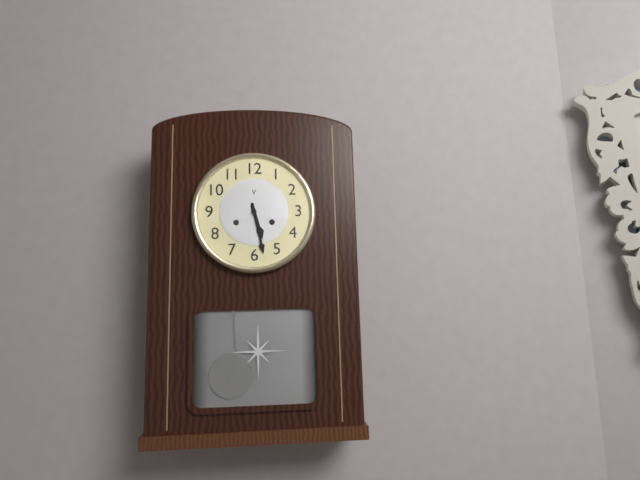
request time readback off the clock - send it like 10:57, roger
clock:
5:28
